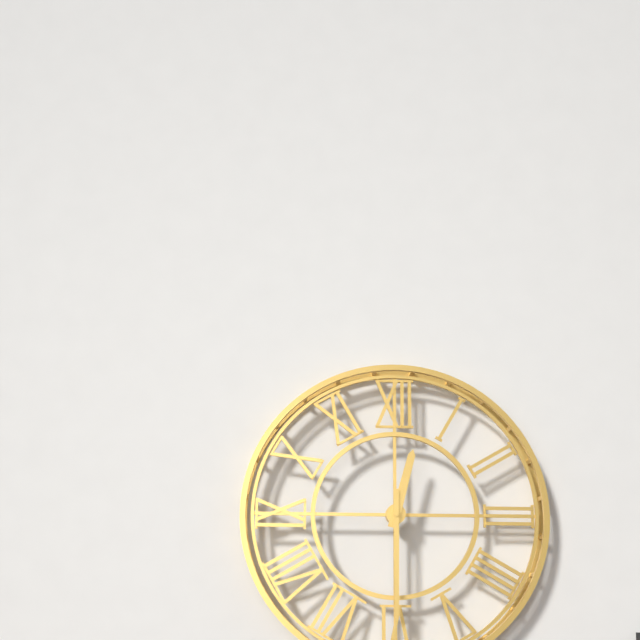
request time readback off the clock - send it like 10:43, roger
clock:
12:30
